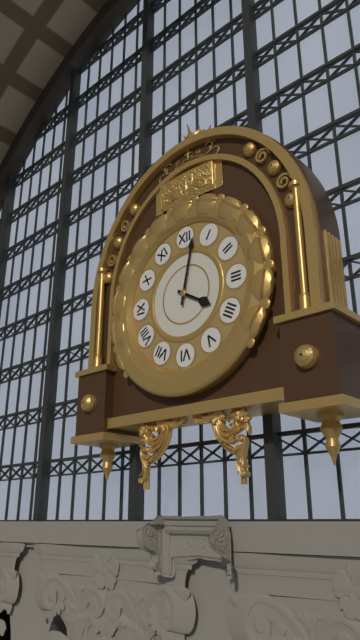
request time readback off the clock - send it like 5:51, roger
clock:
4:02
